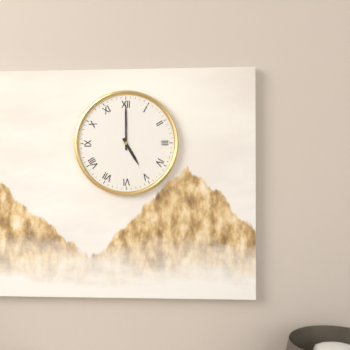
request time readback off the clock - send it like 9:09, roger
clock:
5:00
